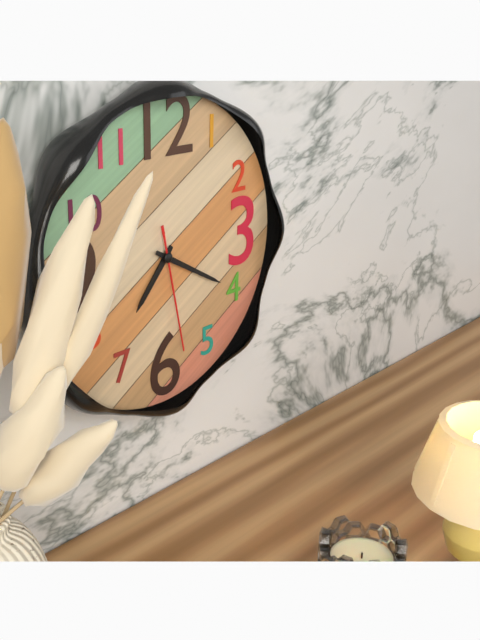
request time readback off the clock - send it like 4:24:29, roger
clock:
7:20:28
